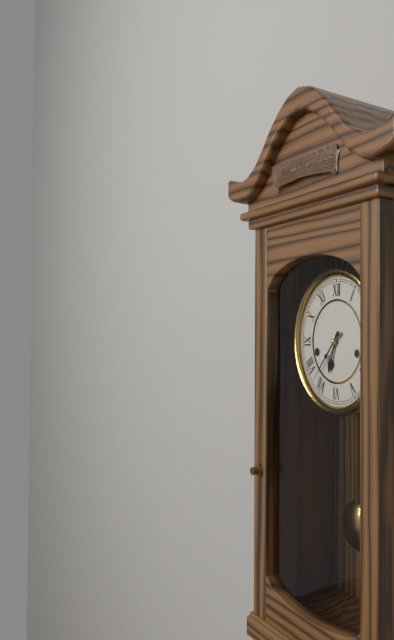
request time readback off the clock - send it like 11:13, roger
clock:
6:37
